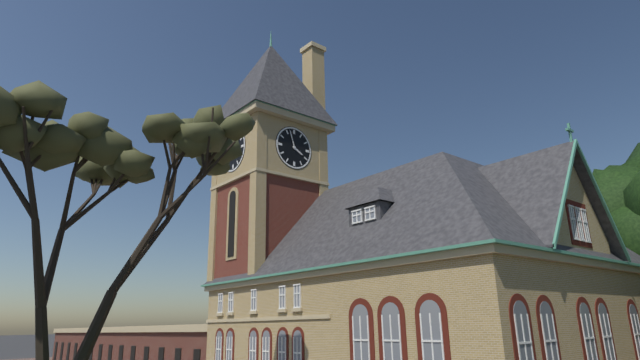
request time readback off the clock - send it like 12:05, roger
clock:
3:57
